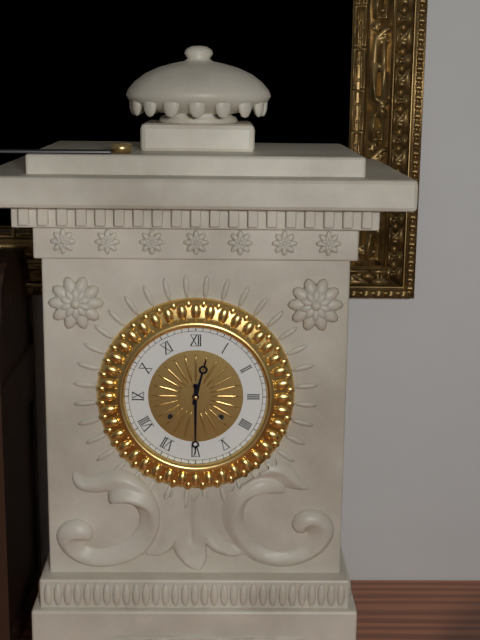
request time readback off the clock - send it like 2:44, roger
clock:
12:30
